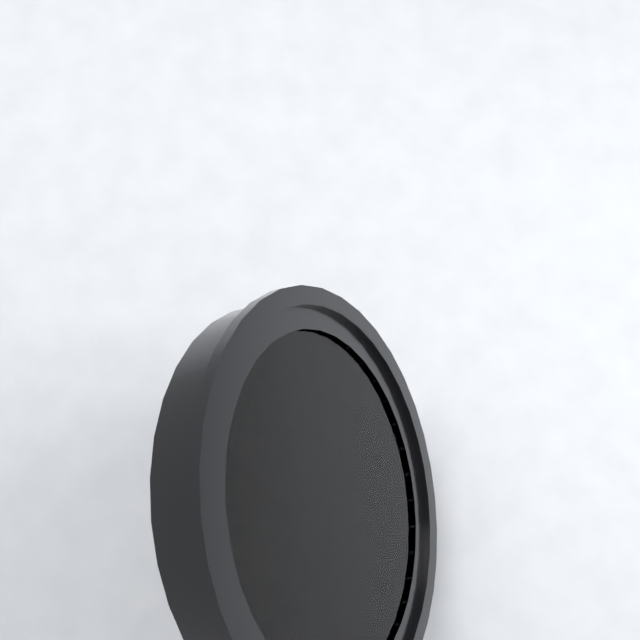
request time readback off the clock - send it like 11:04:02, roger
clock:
7:55:23
